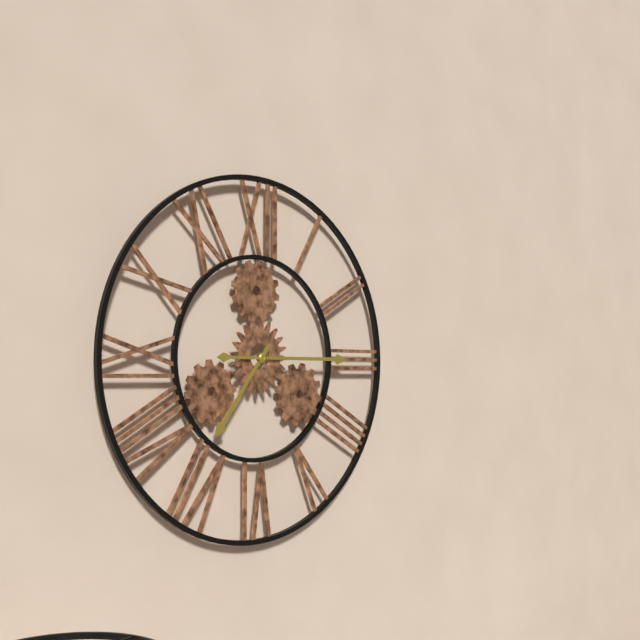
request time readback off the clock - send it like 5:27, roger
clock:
7:15
